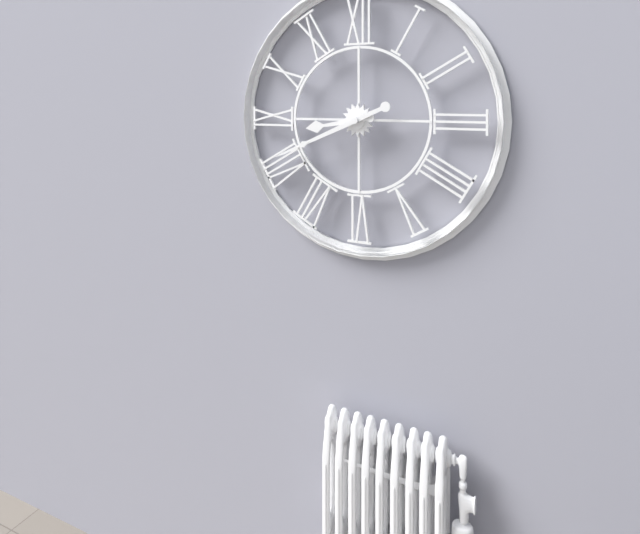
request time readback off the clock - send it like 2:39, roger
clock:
8:41
